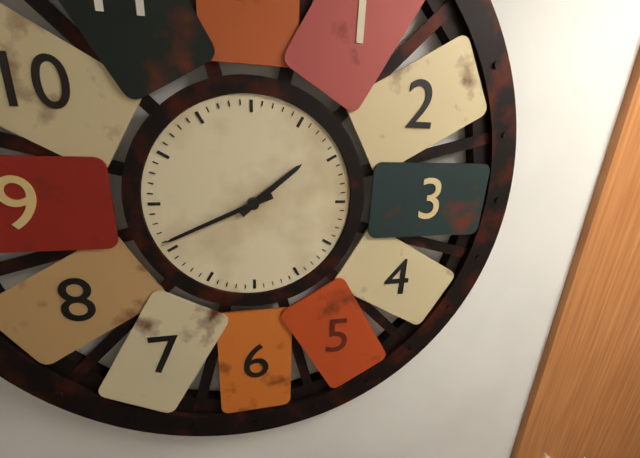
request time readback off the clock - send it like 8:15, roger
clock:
1:41
